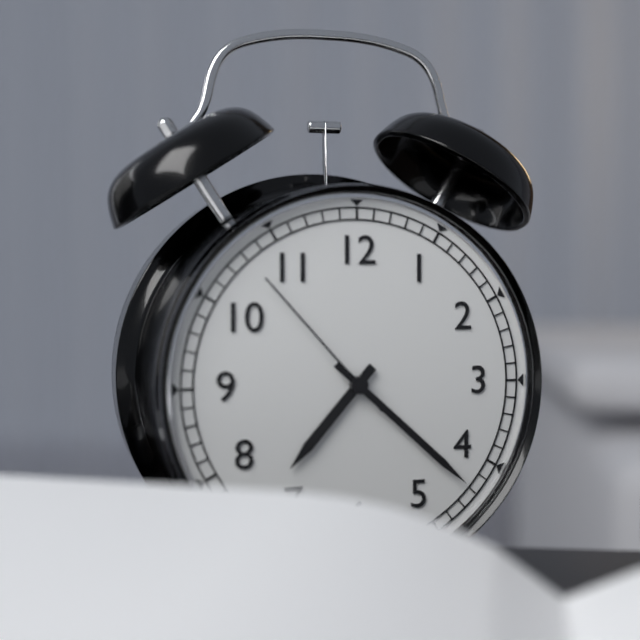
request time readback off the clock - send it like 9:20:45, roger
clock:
7:22:53
